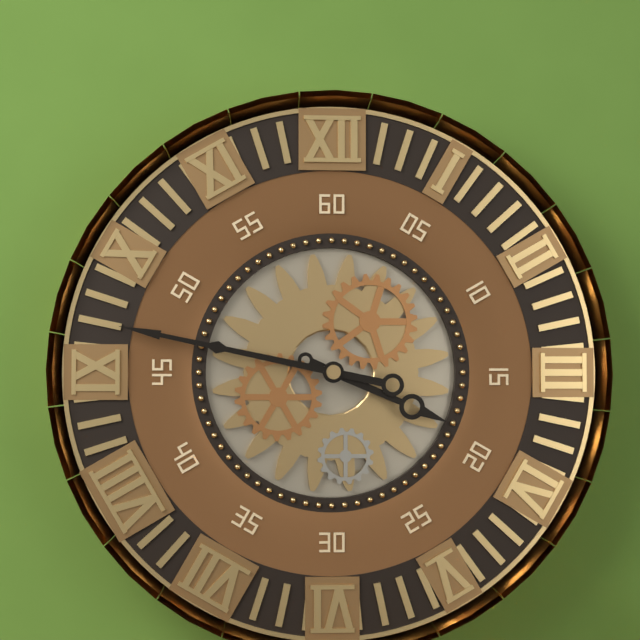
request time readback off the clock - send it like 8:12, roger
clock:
3:47
